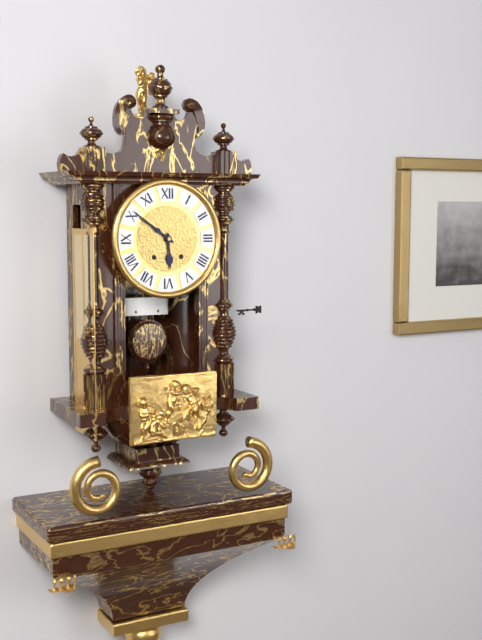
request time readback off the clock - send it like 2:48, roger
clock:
5:51
